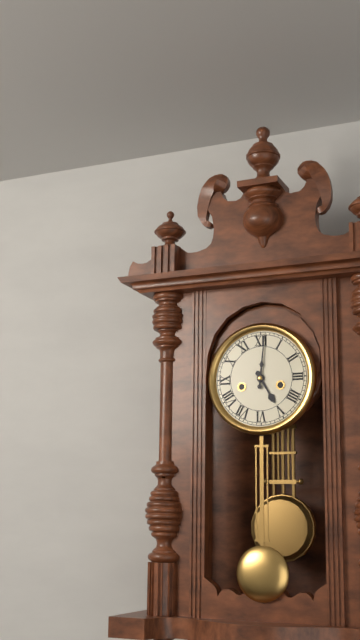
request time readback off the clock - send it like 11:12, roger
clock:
5:01
